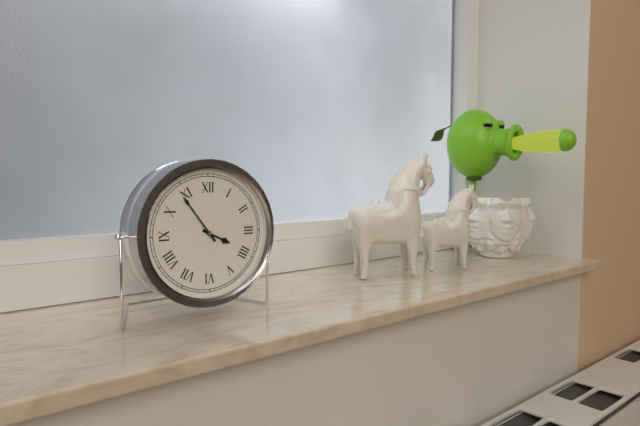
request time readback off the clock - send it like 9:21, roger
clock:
3:54
